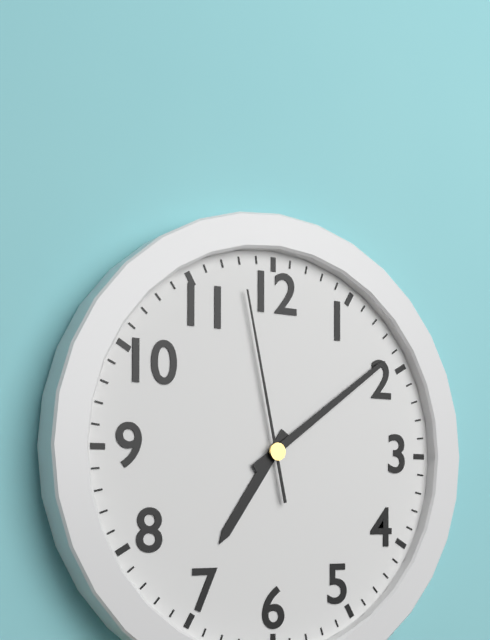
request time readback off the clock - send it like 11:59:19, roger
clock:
7:09:58
